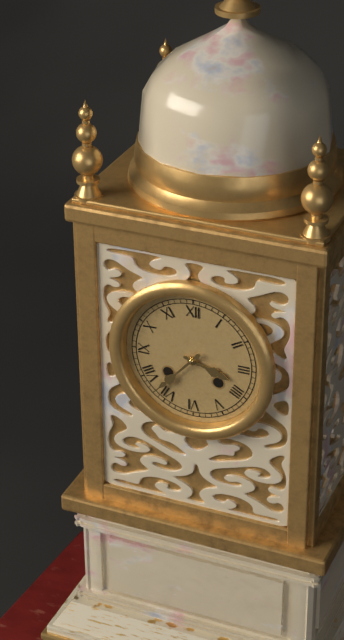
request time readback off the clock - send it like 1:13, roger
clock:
3:37
